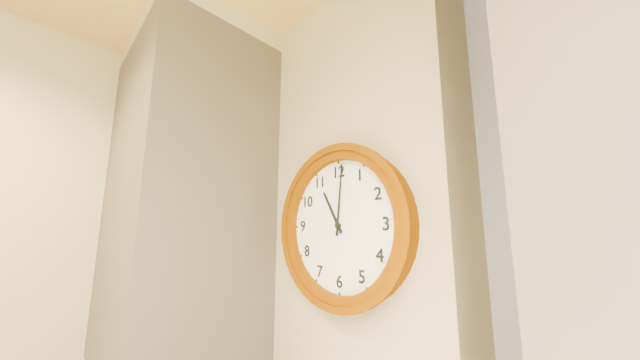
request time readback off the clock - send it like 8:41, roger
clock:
11:01
